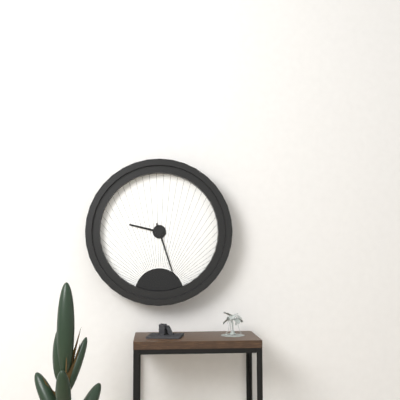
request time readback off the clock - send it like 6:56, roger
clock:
9:27
